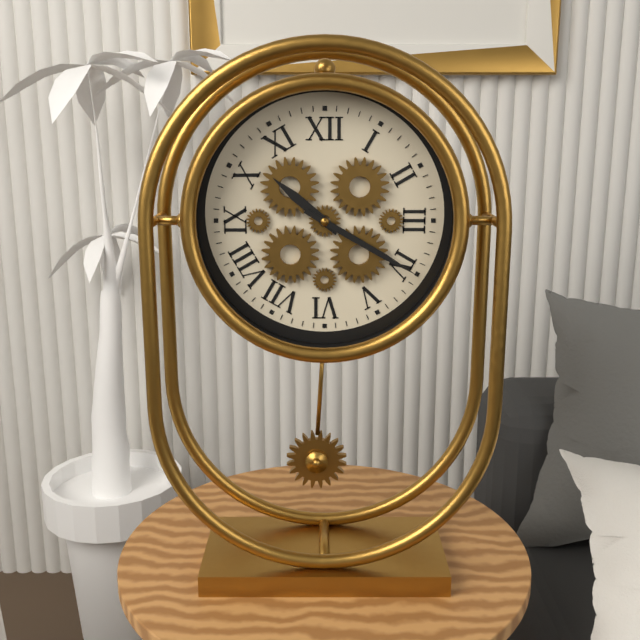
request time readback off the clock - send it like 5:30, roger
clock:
10:20
